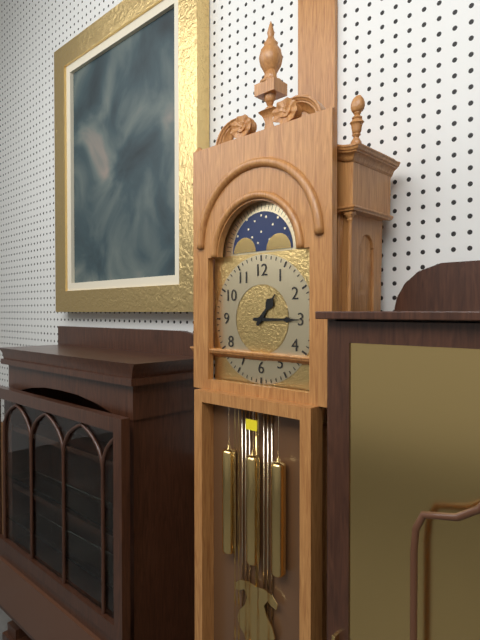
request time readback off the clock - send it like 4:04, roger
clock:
1:15
